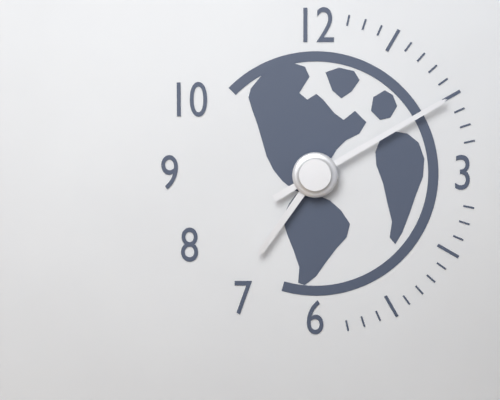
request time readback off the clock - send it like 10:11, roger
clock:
7:10
